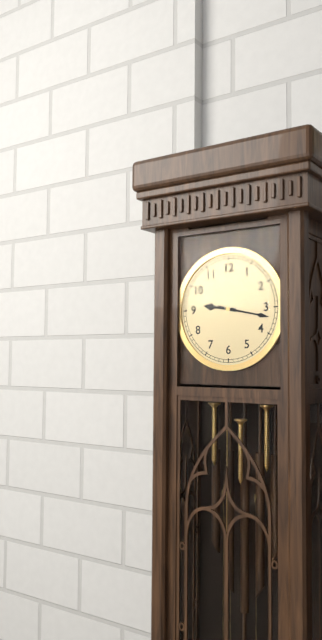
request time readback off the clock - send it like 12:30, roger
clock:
9:17
